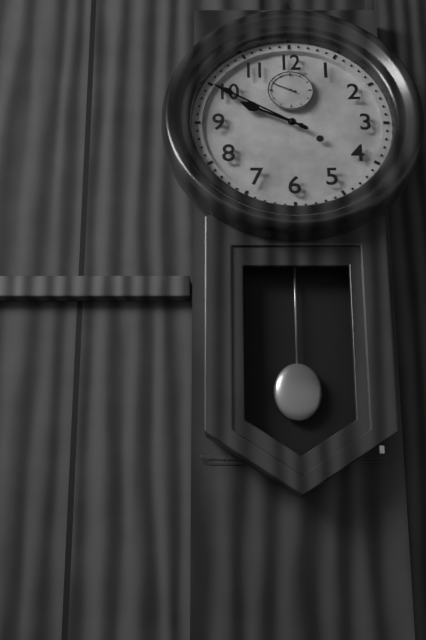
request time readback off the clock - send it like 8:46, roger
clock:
9:50
